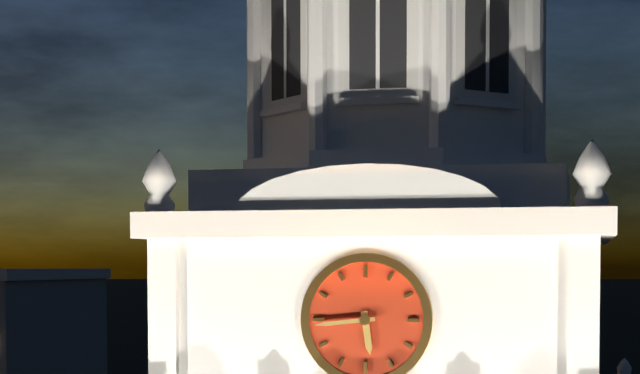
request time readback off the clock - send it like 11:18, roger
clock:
5:44
